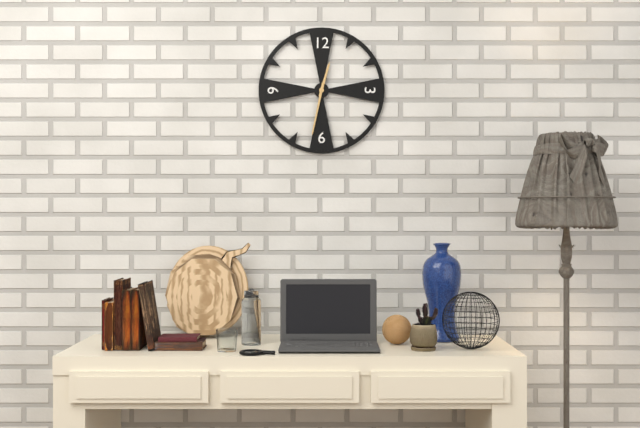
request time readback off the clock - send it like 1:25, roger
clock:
12:32
